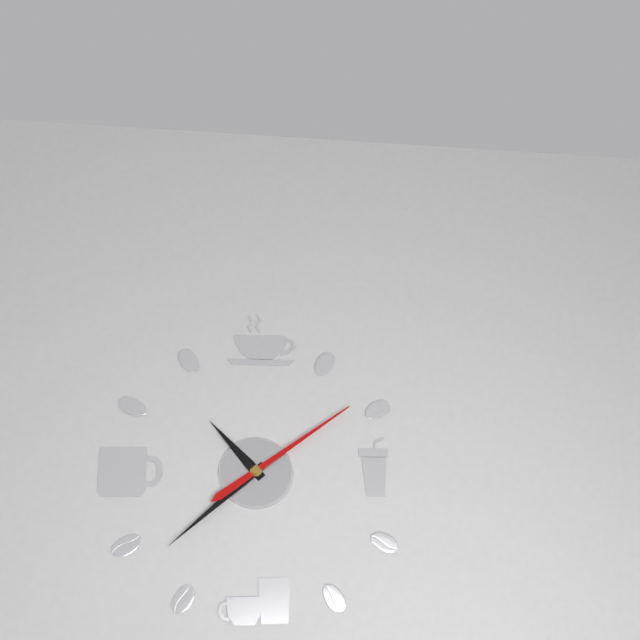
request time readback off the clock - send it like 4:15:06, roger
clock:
10:38:09
